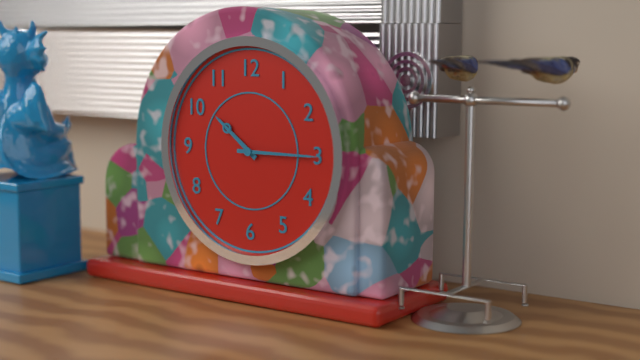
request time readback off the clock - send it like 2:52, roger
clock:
10:15
